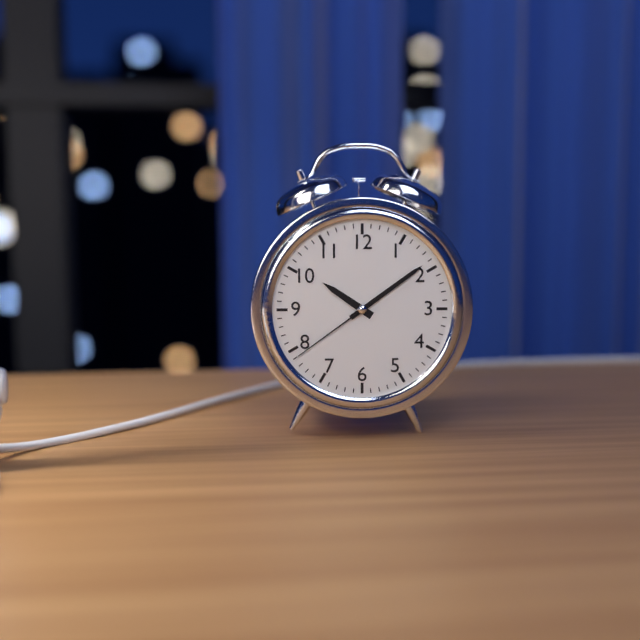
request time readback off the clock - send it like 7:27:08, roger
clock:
10:09:39
